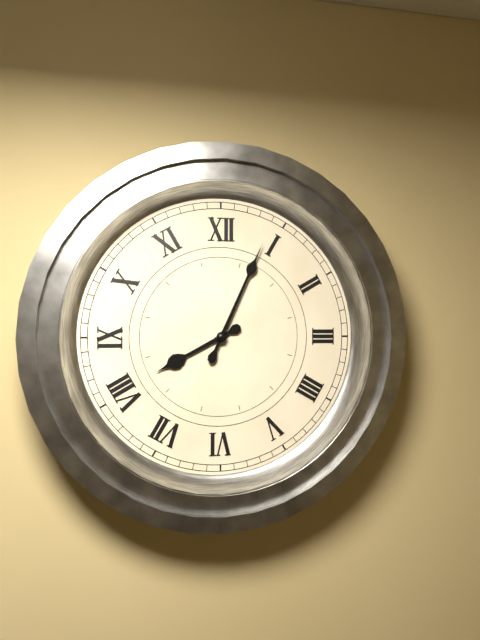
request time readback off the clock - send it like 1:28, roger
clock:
8:04
